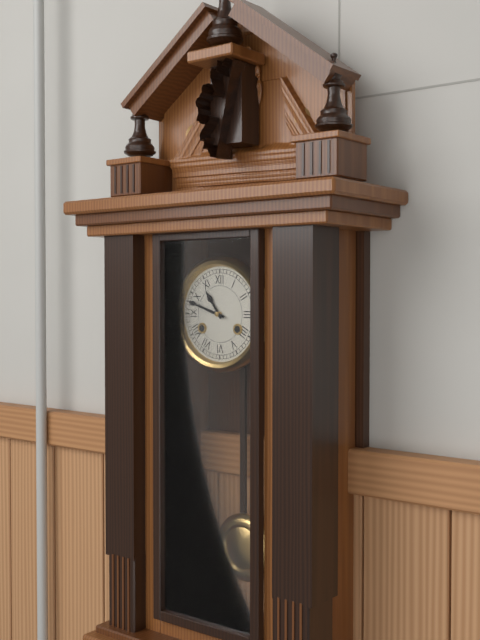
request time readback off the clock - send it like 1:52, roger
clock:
10:48
